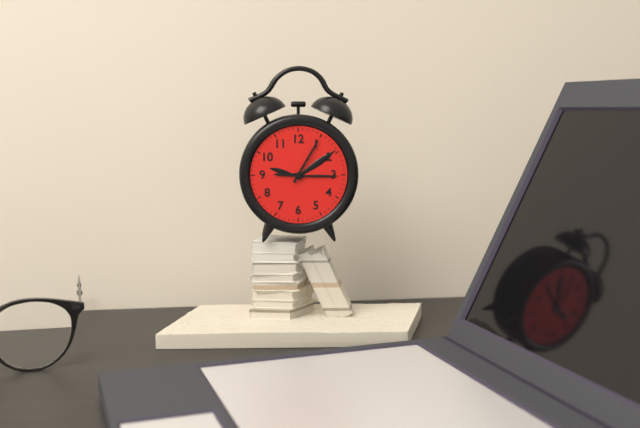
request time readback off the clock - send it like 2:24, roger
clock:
9:05
